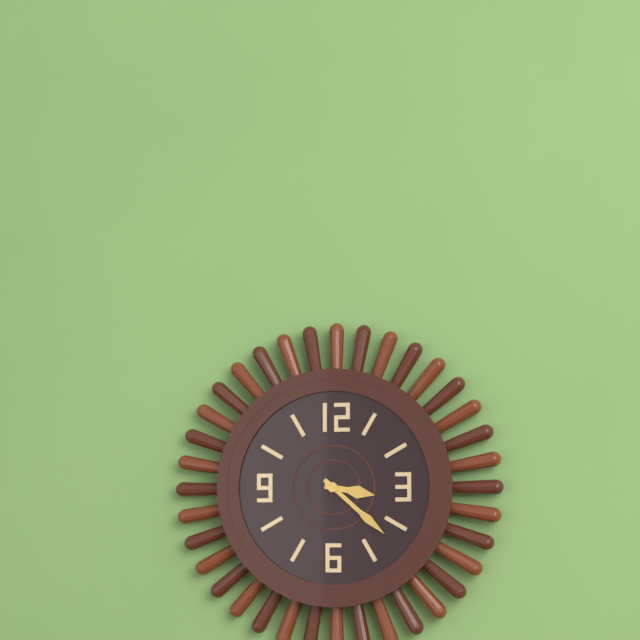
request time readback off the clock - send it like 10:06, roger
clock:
3:22
